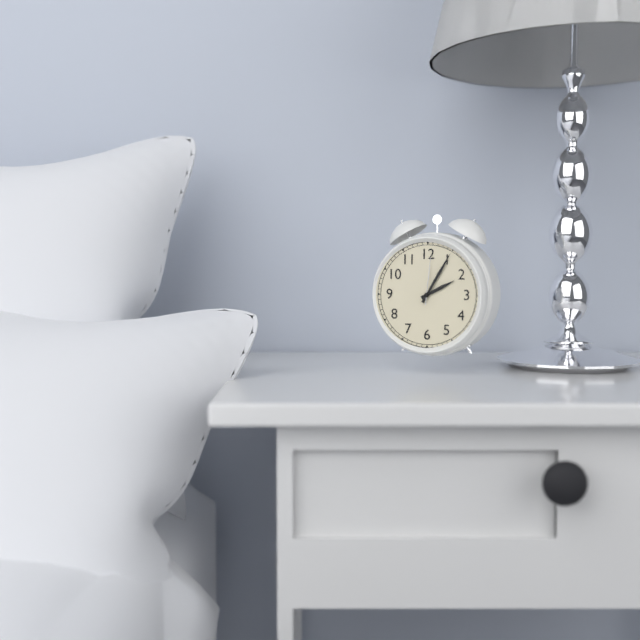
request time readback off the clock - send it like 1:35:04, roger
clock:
2:05:01
